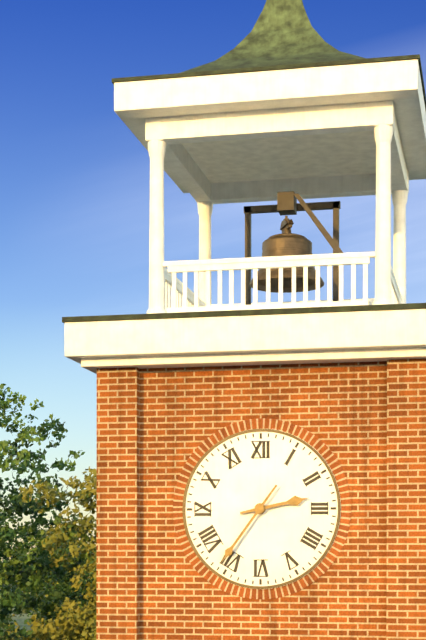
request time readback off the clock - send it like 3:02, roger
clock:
2:36
